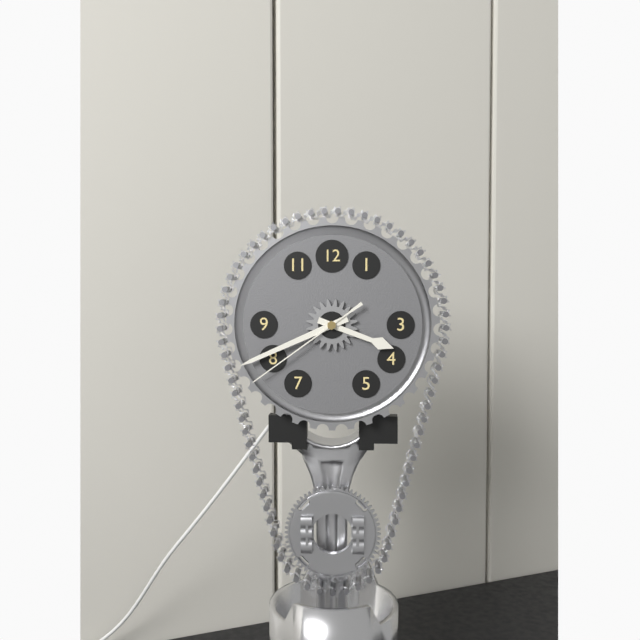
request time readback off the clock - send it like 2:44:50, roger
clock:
3:41:39
